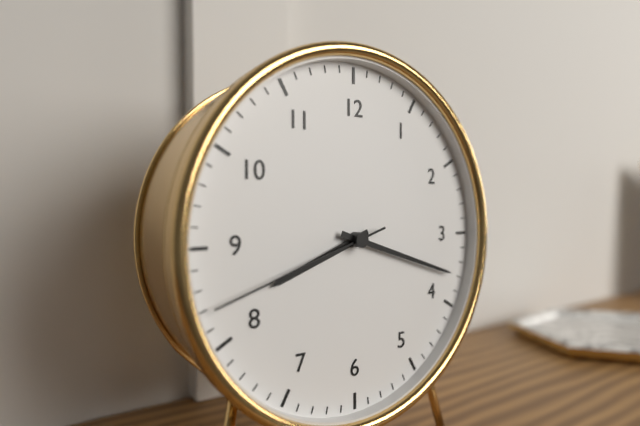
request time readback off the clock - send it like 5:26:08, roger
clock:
8:18:42
